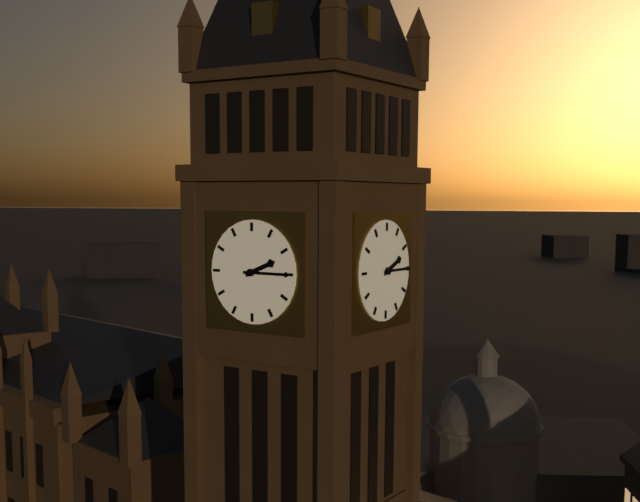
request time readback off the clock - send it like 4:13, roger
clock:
2:15
